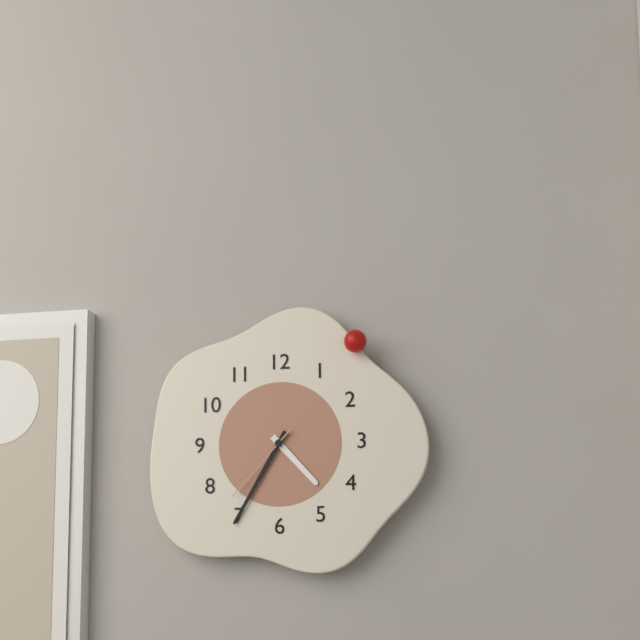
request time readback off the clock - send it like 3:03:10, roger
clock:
4:35:37
